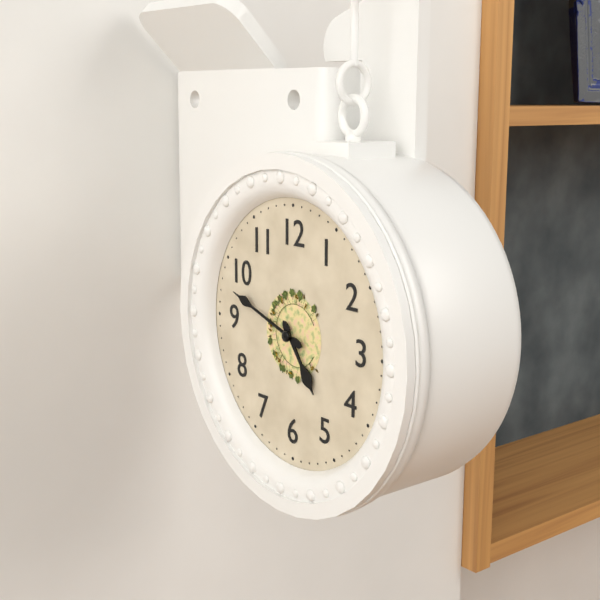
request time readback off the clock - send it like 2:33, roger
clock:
4:48
